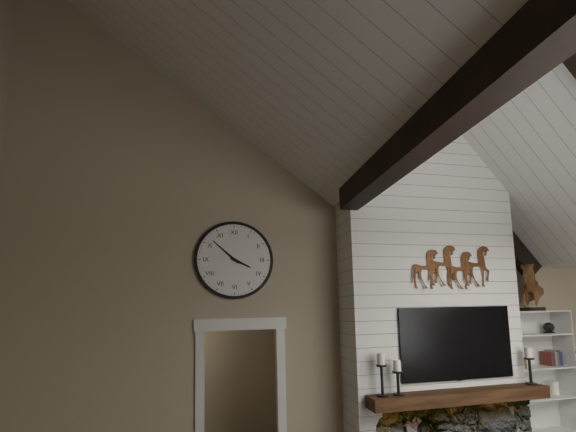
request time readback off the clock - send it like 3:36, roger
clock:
3:52
